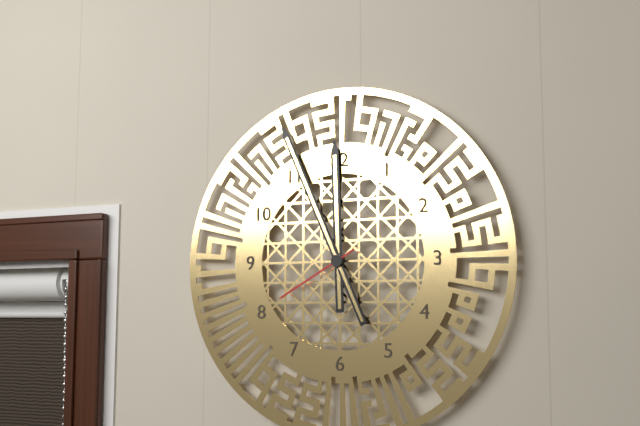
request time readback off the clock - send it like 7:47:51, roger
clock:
11:56:40
